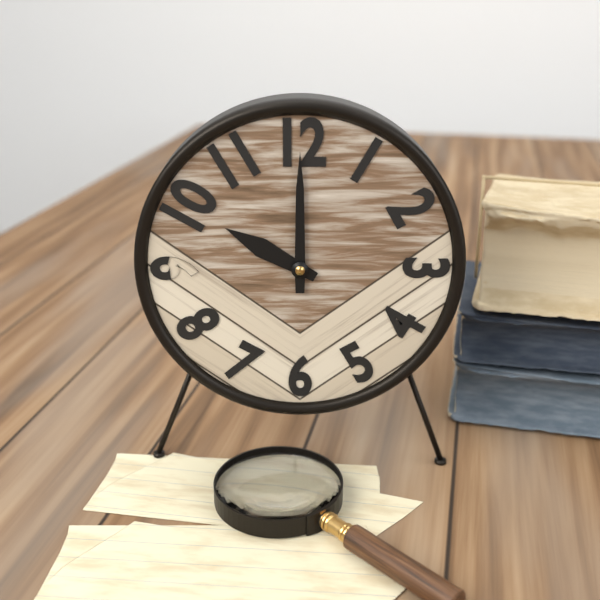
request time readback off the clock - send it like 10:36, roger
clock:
10:00
